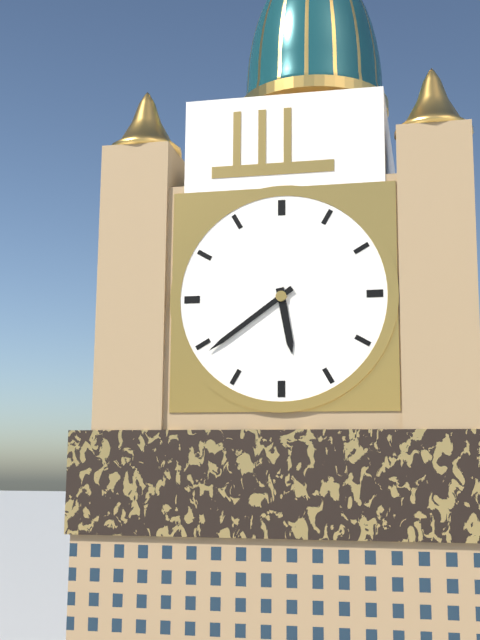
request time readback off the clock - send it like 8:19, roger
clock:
5:39
